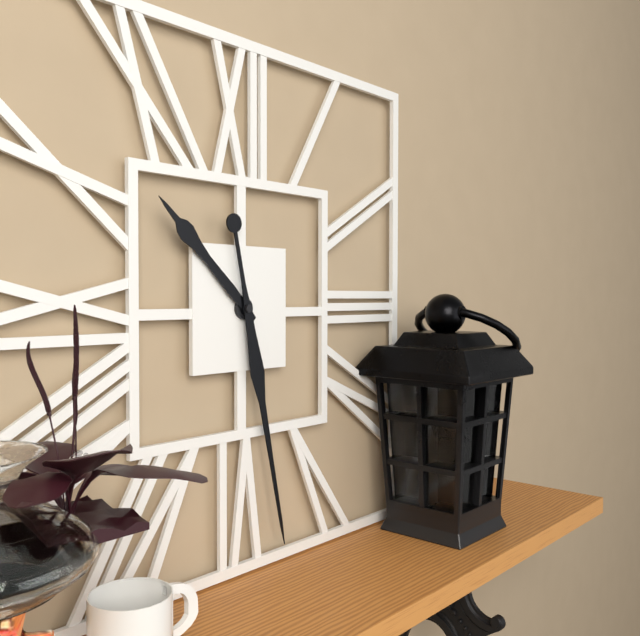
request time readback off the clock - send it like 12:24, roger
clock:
10:28
